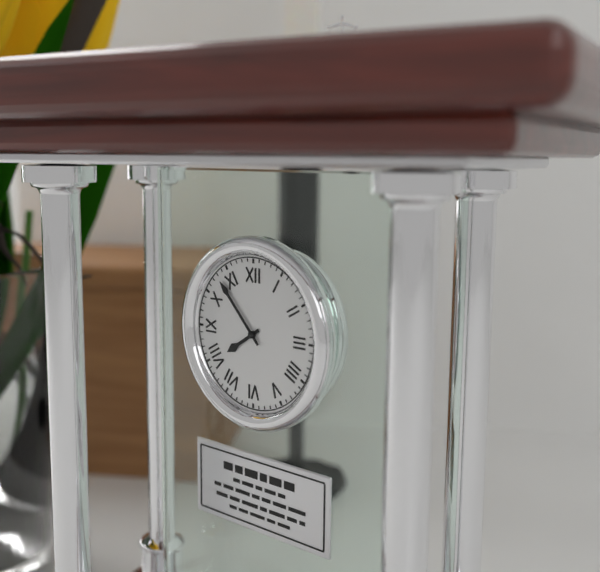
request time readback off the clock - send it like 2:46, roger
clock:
7:53
